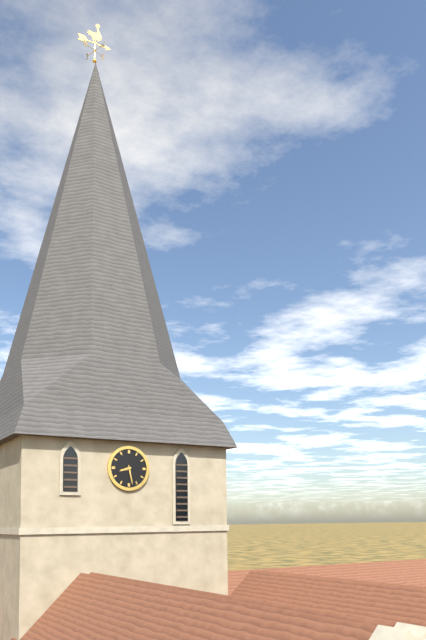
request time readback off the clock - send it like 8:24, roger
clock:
8:28
